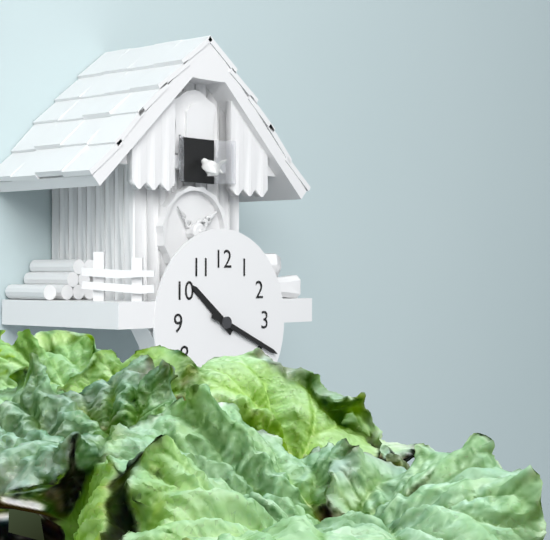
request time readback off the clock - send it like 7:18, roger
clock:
10:19
